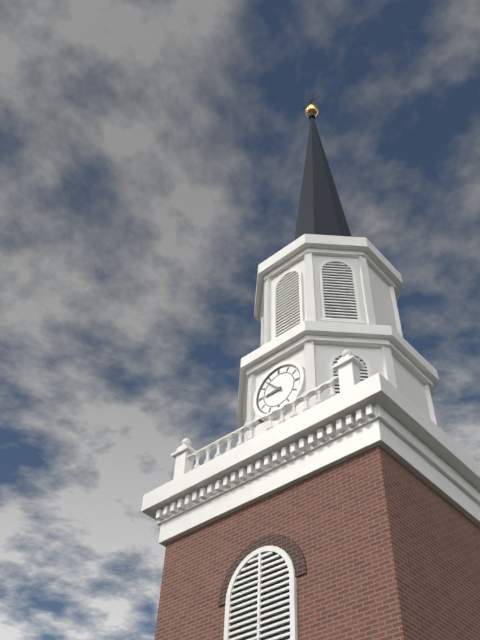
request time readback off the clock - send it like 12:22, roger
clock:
8:53
